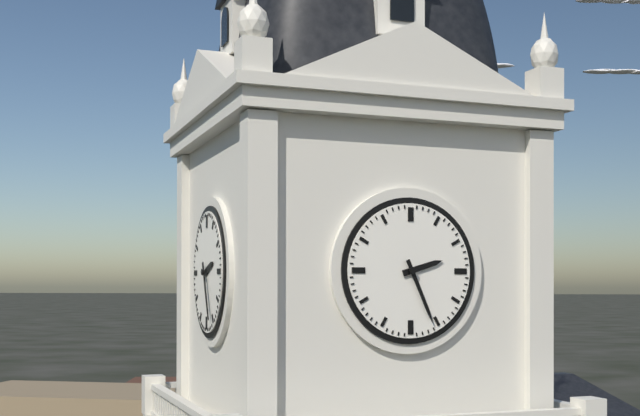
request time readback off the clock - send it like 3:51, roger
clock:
2:26
